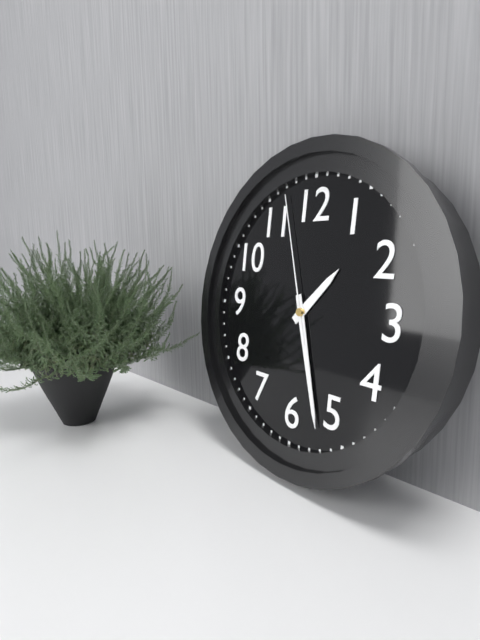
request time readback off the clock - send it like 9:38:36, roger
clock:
1:27:57
